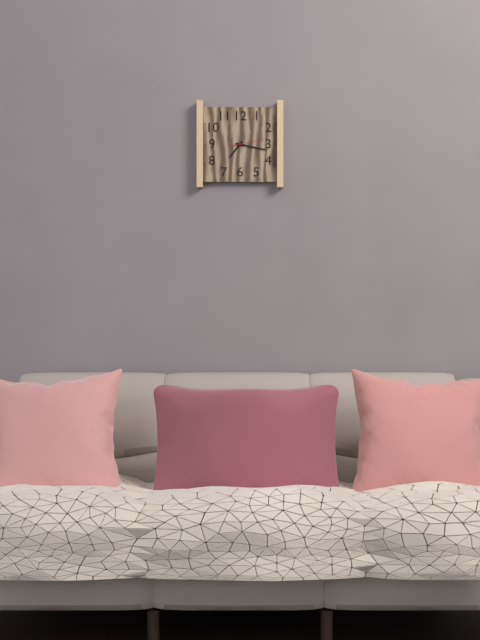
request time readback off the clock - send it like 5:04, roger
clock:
7:17
